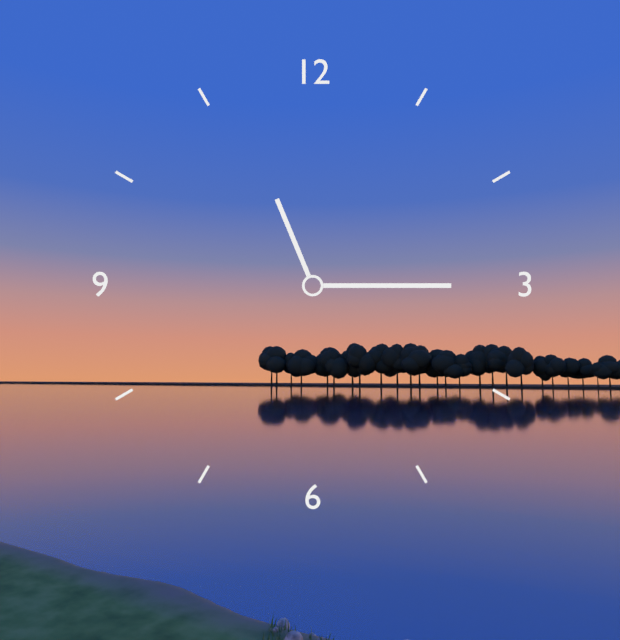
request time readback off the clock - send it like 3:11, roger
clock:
11:15
